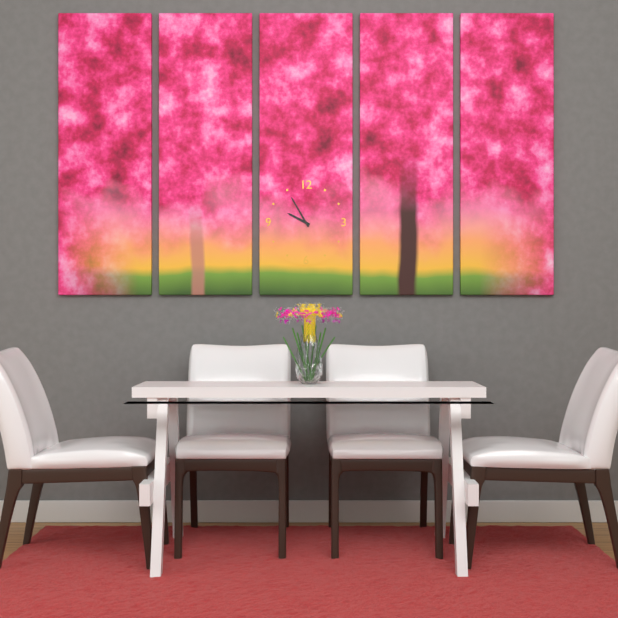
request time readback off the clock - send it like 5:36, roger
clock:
9:55
